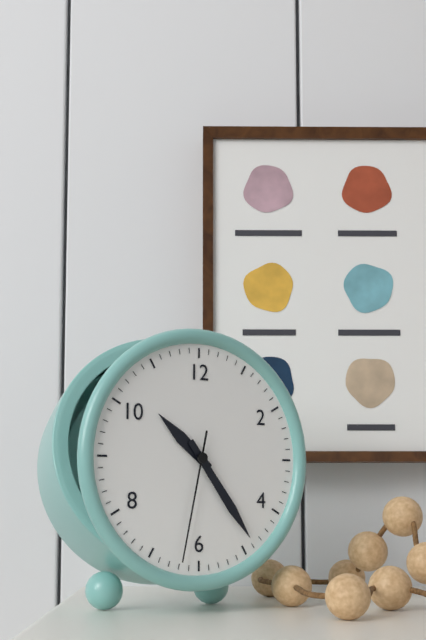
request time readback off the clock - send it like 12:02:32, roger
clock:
10:24:32
